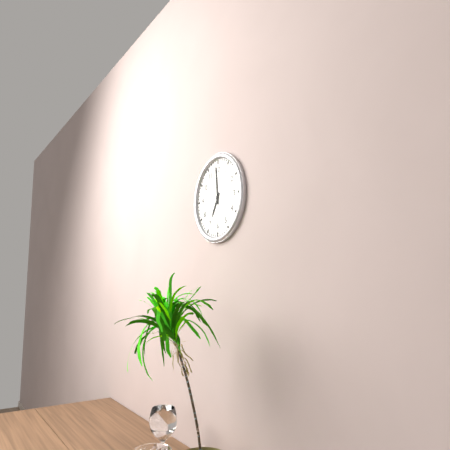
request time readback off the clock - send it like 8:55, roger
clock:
6:59
